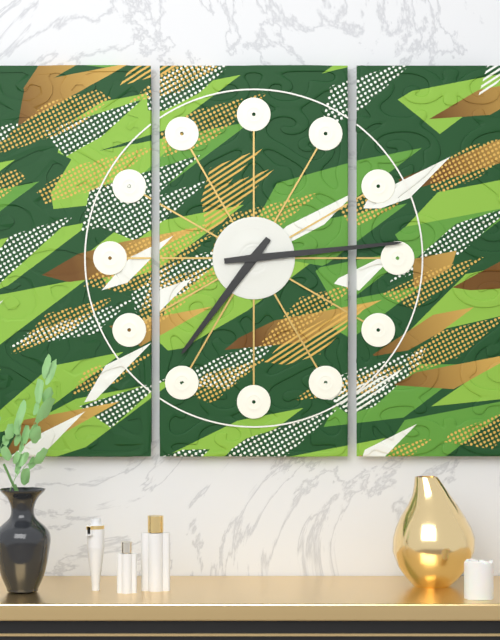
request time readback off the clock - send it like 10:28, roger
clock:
7:14
